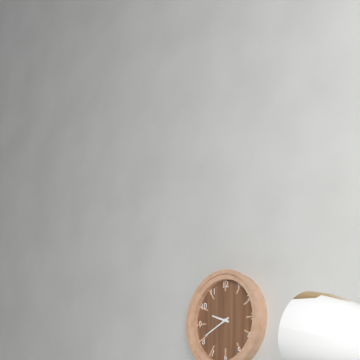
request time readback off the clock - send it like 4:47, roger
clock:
9:41
